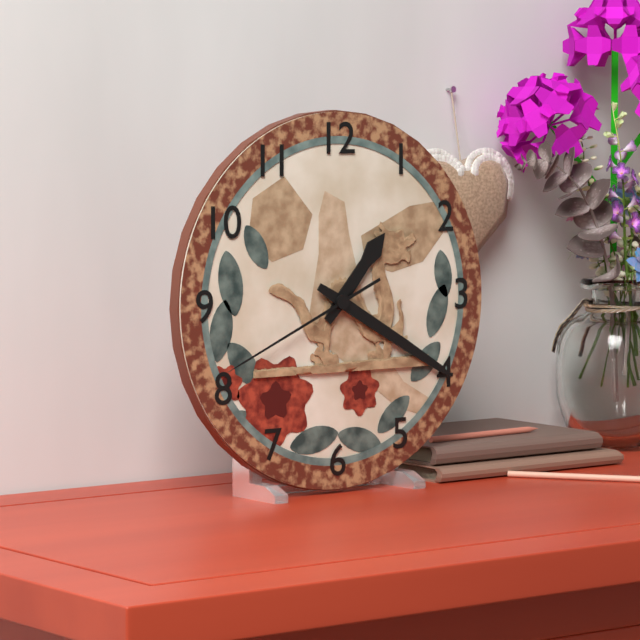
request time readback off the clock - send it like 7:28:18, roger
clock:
1:20:41
